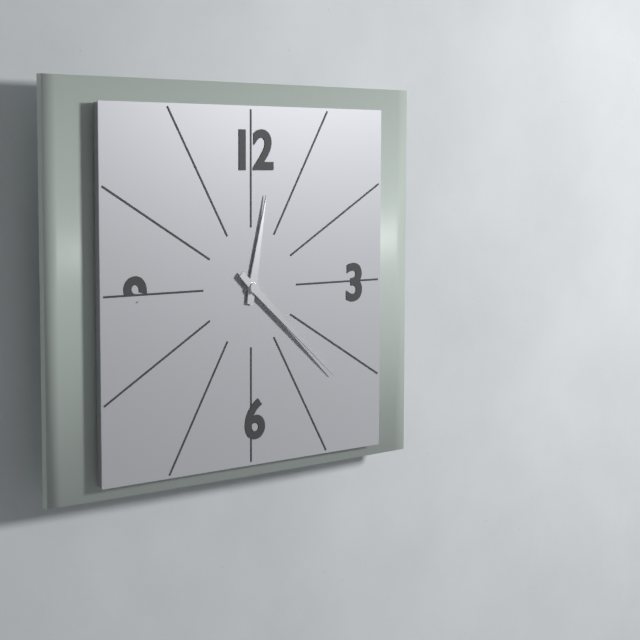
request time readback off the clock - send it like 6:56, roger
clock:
12:22
